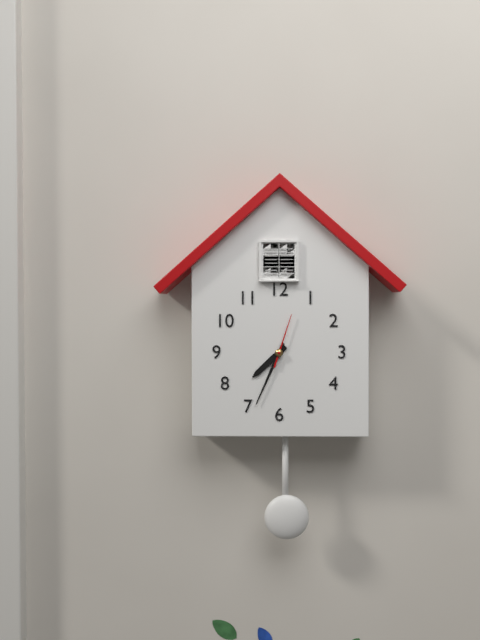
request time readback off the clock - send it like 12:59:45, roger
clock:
7:34:03
